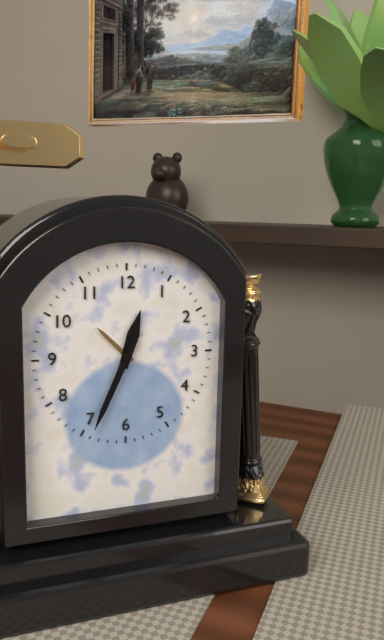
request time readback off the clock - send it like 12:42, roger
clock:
12:34
